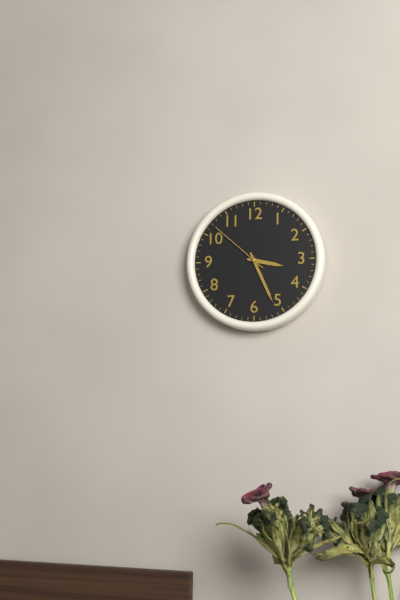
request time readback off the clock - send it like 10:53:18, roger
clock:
3:26:52
